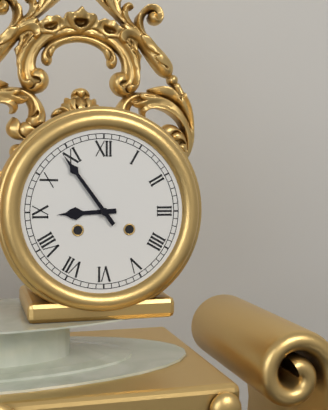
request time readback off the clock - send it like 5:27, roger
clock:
8:54
